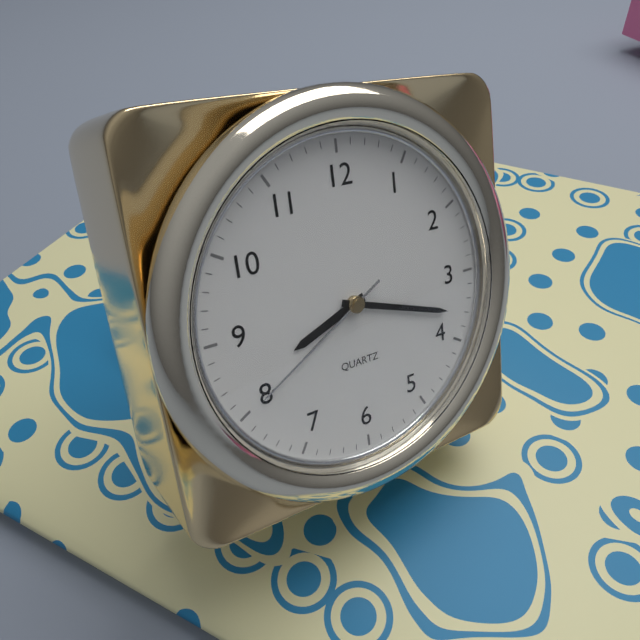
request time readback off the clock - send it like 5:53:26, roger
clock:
8:18:40
